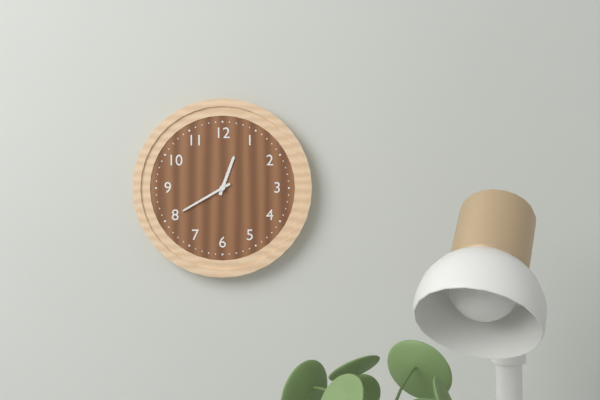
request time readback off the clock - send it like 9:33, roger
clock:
12:40
